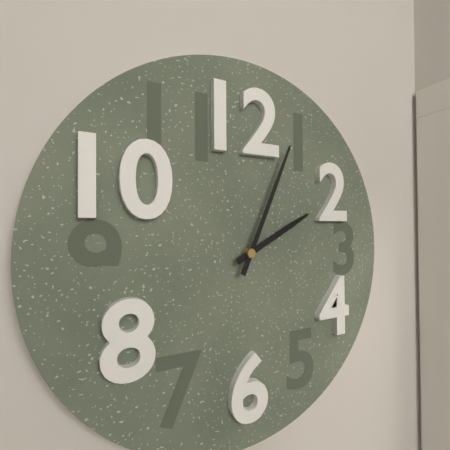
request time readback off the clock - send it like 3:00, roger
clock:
2:04
